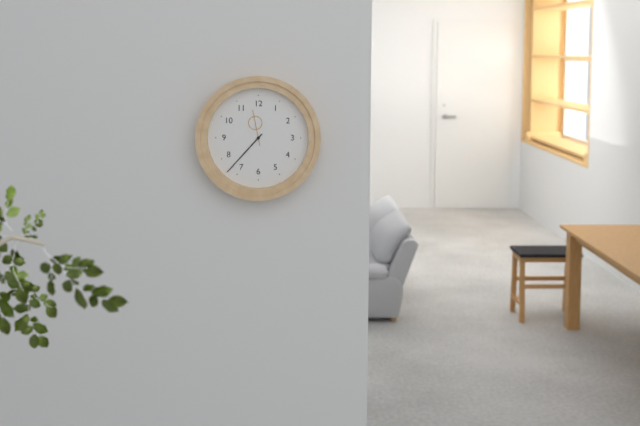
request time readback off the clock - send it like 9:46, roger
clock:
11:37
